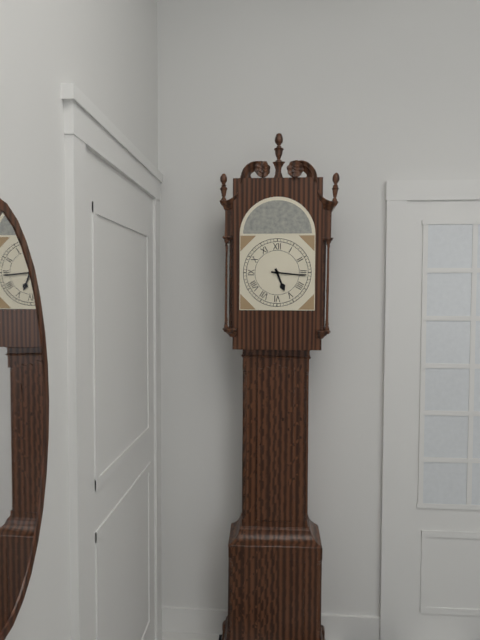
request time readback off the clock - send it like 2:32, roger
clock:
5:16
